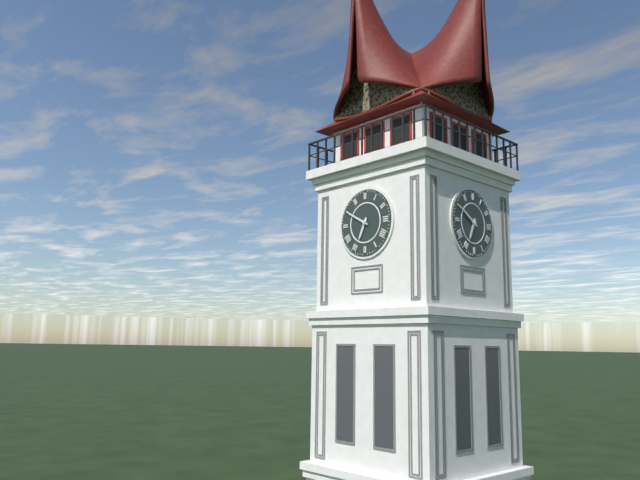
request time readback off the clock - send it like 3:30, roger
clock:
6:50
